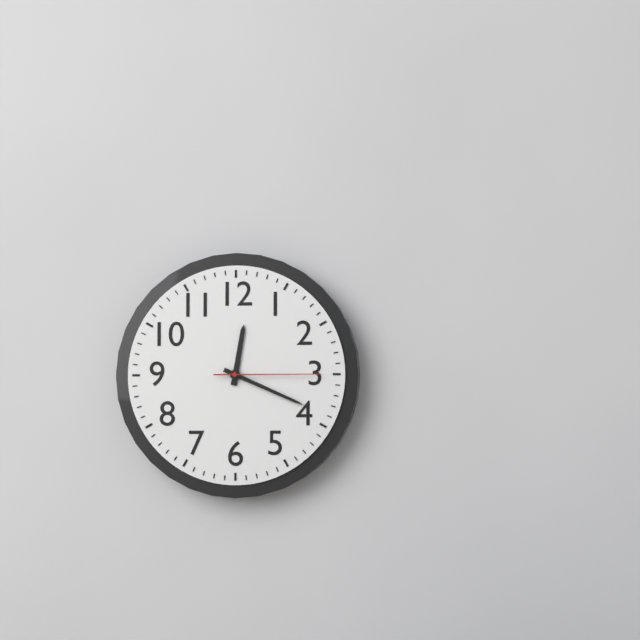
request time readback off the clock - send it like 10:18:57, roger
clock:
12:19:15
